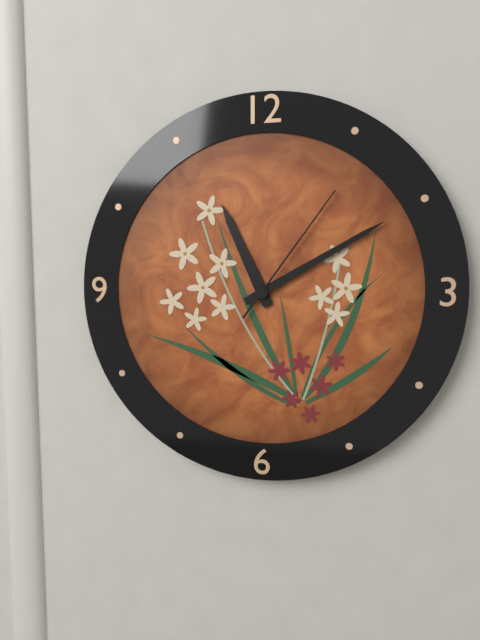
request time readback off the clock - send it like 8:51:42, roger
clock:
11:10:06
